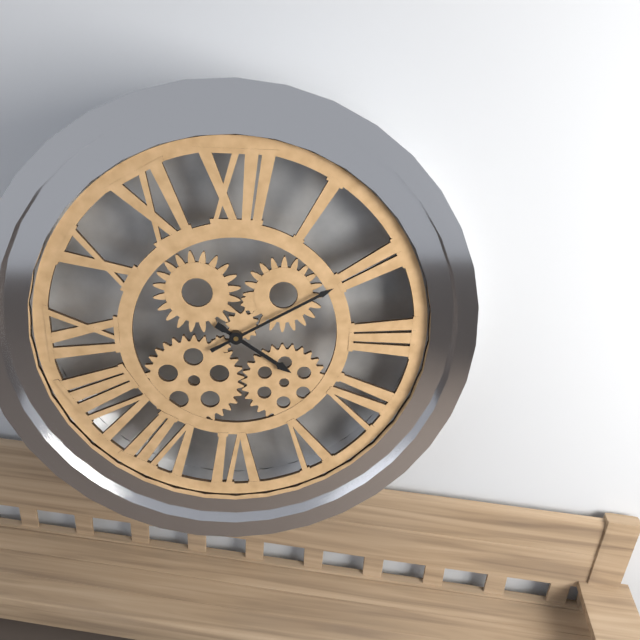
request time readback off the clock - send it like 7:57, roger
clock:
4:10
